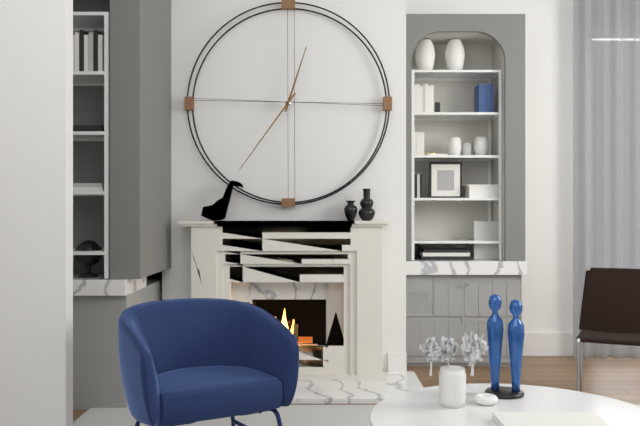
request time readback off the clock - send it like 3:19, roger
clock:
12:36
